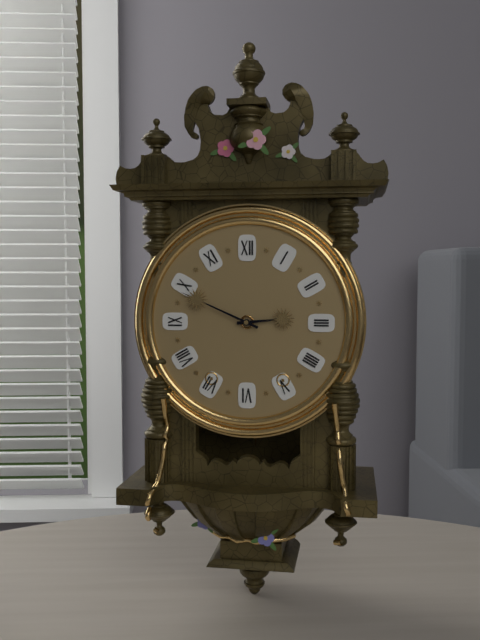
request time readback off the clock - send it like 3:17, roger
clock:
2:49
